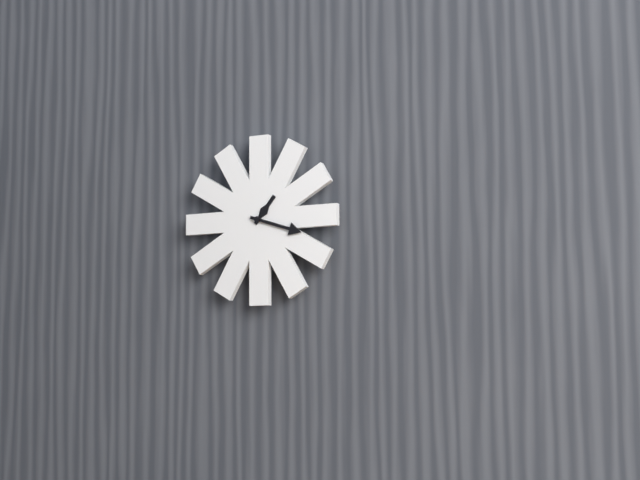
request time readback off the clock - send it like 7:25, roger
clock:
1:18
